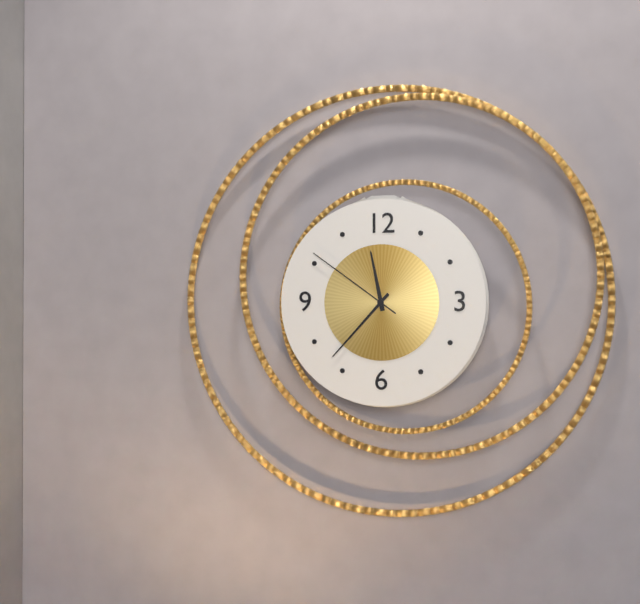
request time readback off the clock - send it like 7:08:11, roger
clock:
11:37:51
